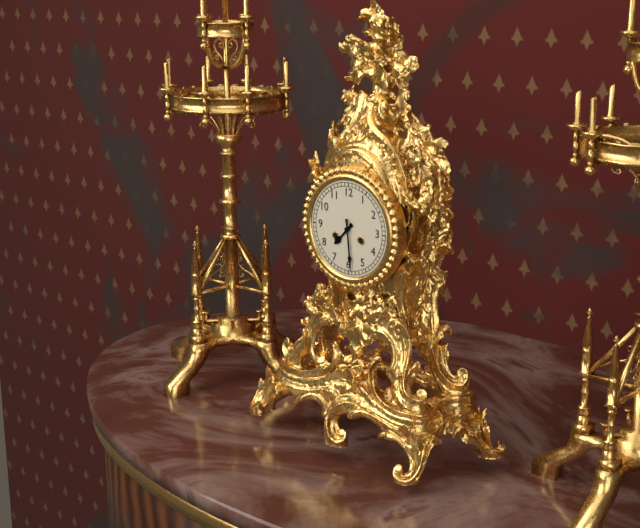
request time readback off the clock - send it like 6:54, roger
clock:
7:29
